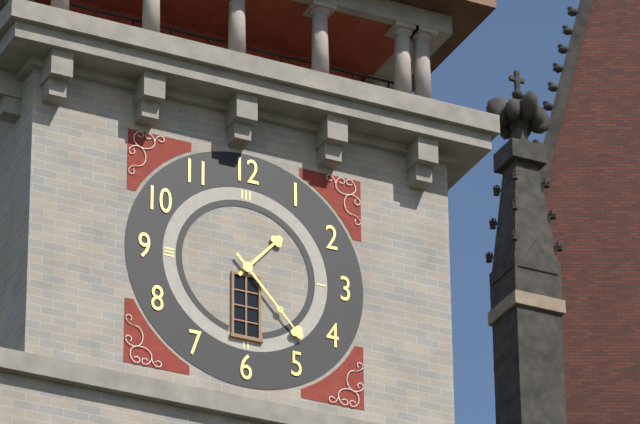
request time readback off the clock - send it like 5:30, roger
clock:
1:23
